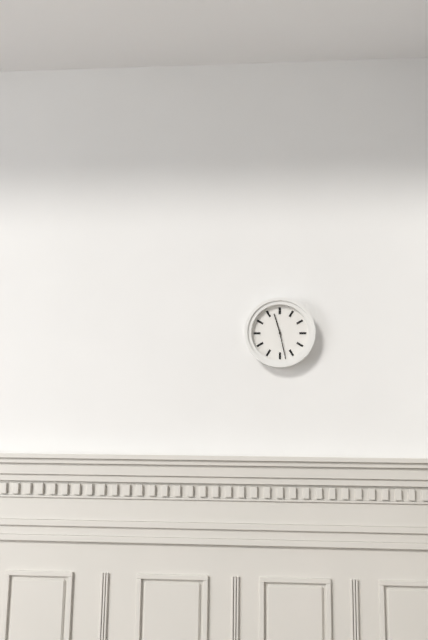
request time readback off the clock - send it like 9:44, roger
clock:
11:28
